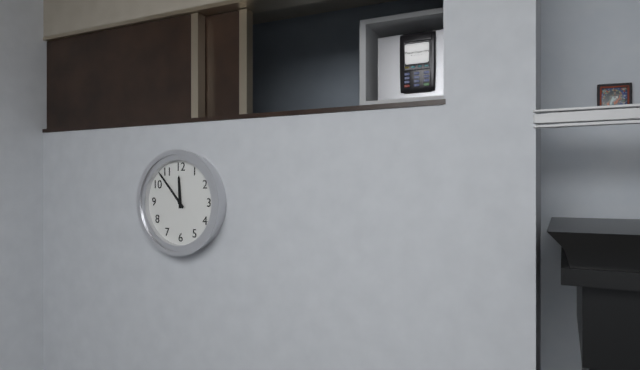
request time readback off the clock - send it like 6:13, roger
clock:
11:53
